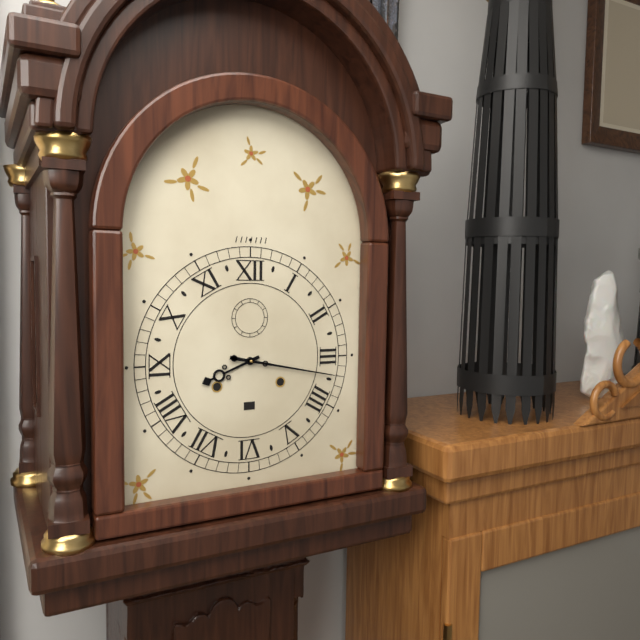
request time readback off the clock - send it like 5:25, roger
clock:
8:17
